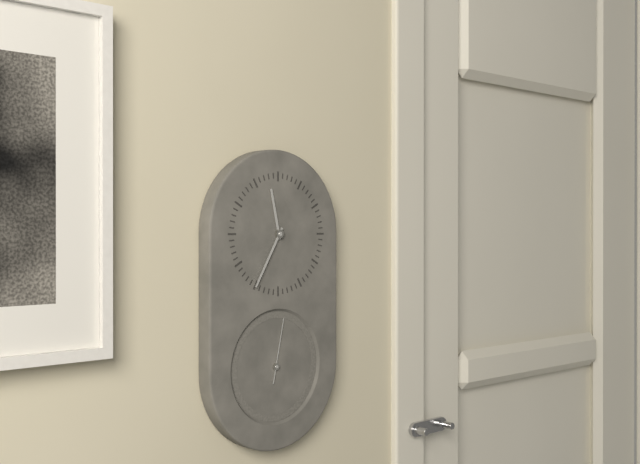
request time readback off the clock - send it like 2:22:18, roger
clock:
11:35:02
